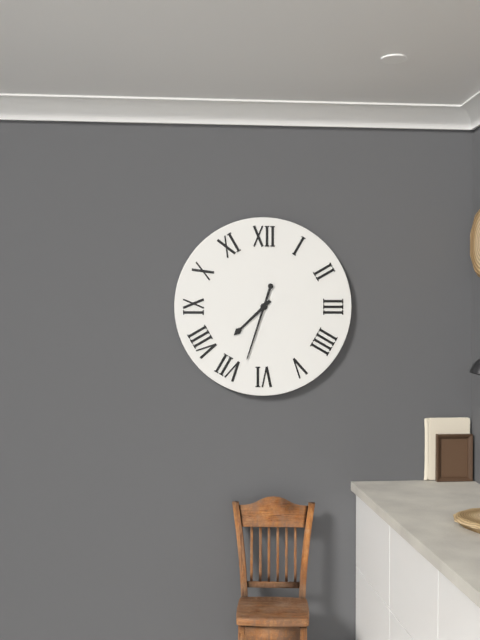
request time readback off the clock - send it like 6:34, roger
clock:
7:33
